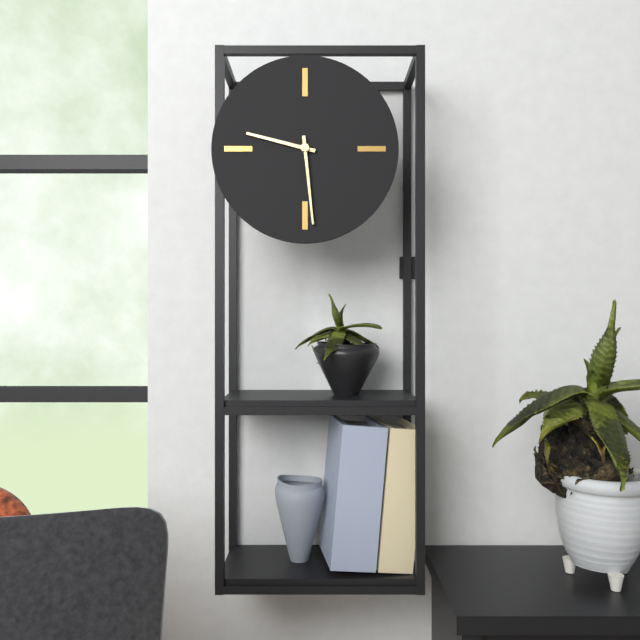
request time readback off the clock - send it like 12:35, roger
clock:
9:29
